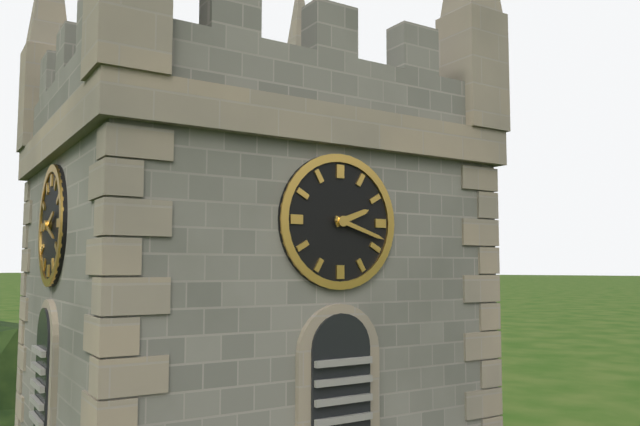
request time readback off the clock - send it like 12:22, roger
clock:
2:18
